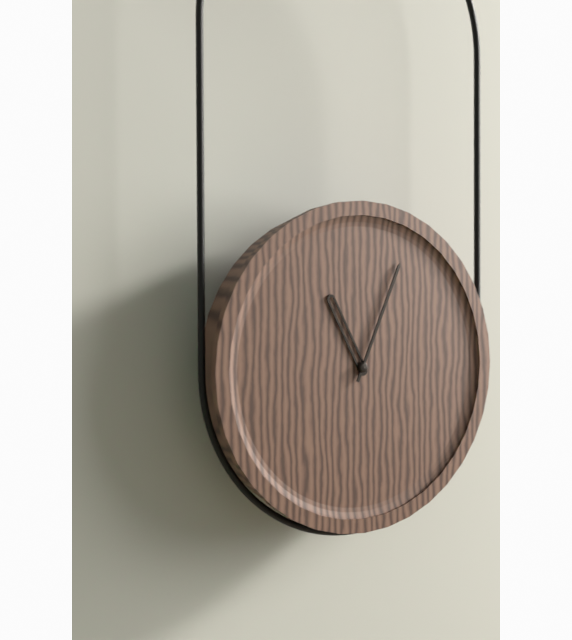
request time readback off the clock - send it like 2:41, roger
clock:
11:04
